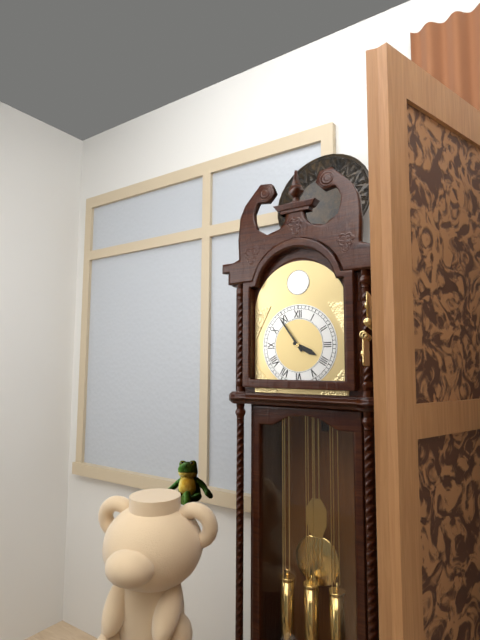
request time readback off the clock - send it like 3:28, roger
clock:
3:54
